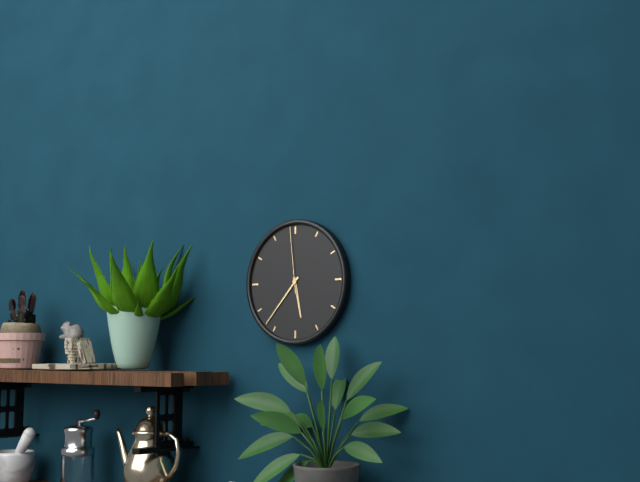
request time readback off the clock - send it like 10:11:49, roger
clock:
5:37:59
